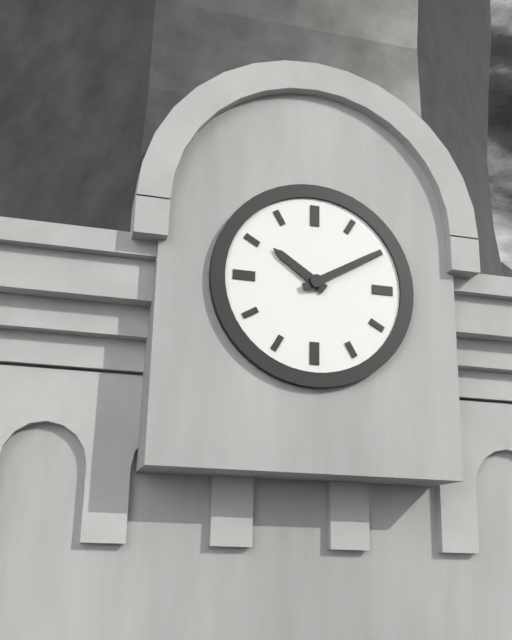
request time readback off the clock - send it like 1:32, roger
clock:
10:10
